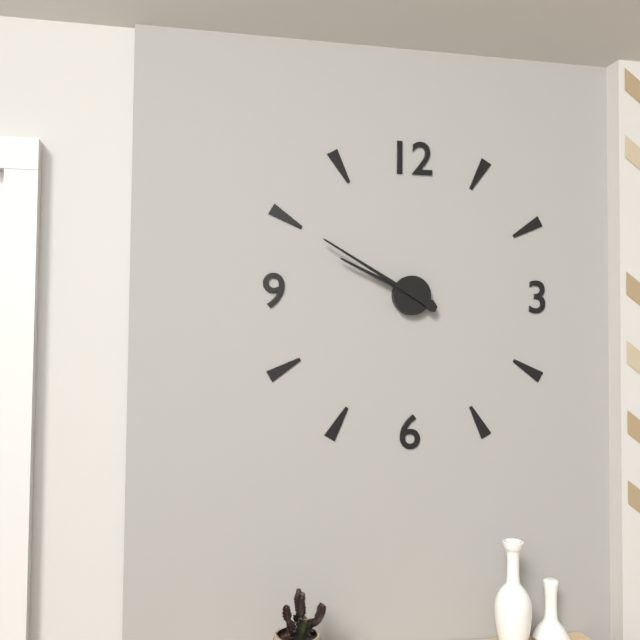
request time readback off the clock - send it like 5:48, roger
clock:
9:50
